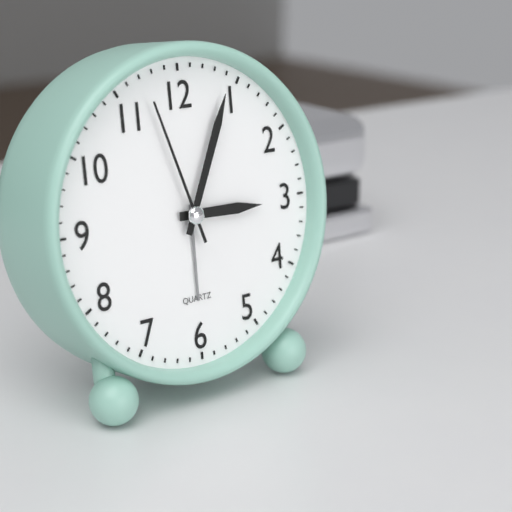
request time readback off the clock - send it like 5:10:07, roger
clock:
3:04:57
